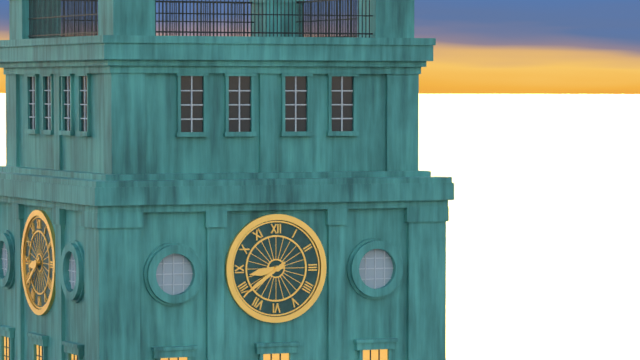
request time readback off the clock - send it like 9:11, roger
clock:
8:39
